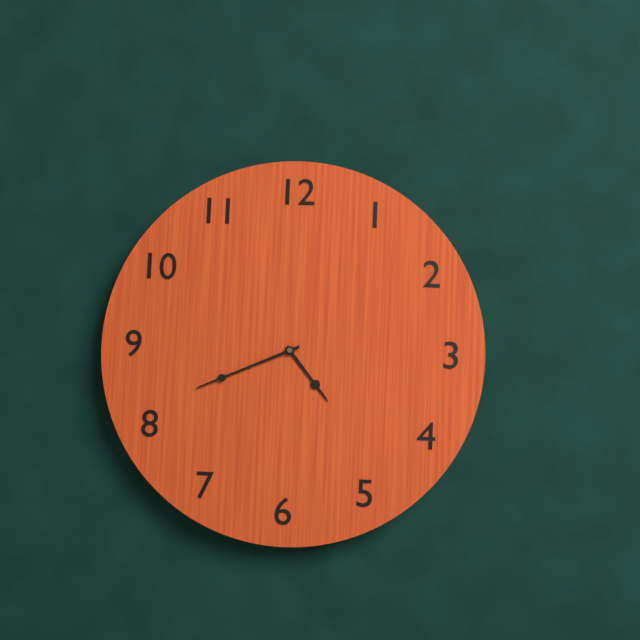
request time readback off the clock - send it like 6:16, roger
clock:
4:41
